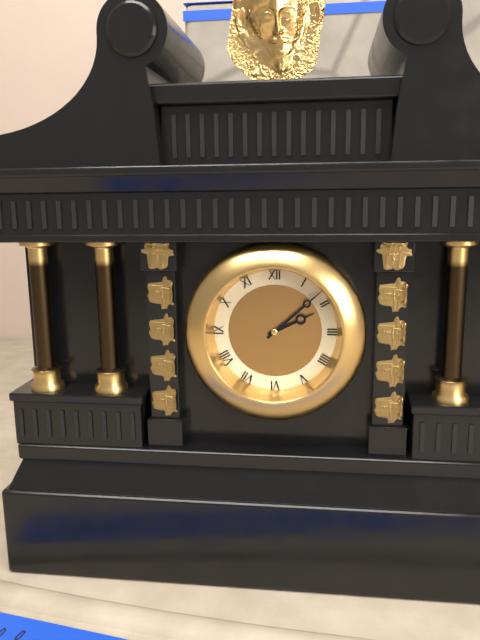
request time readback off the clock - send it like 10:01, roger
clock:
2:08
